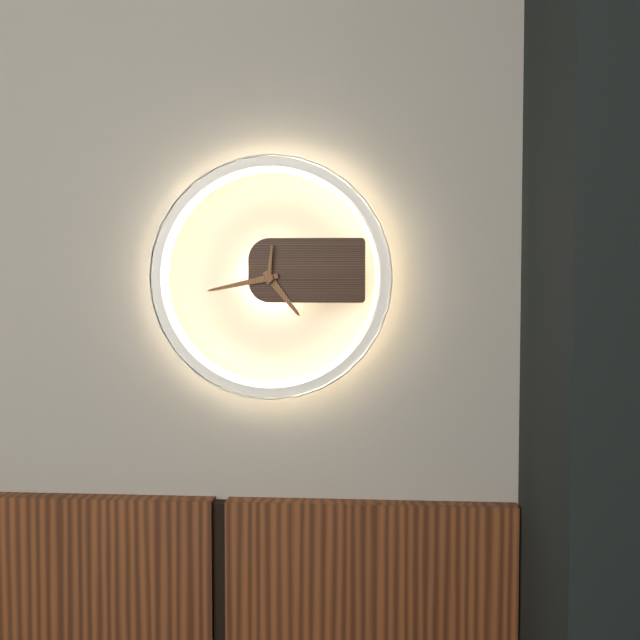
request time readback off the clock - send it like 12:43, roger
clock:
4:43
